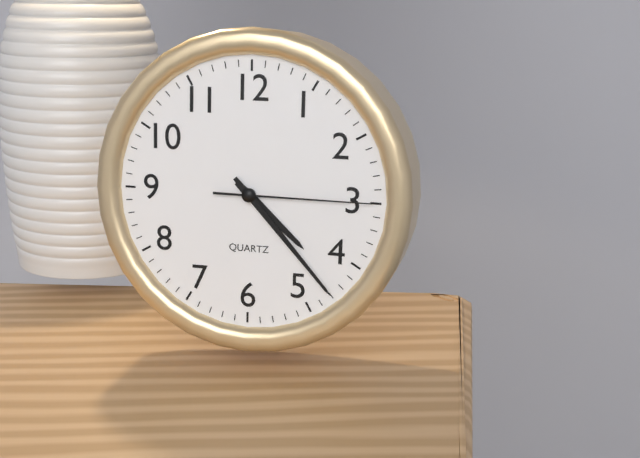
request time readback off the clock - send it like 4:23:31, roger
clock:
4:23:15
